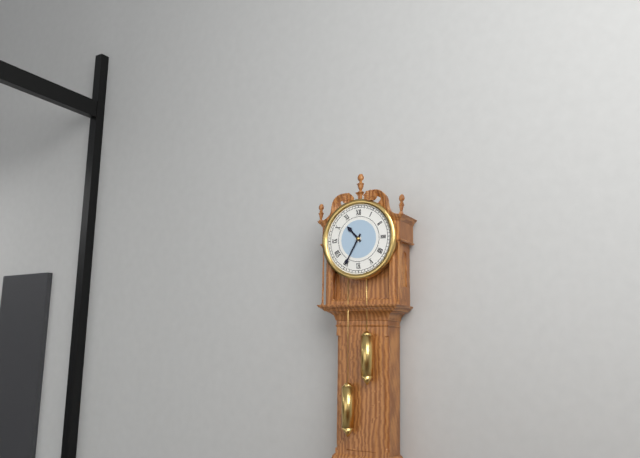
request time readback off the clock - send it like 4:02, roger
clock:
10:35
